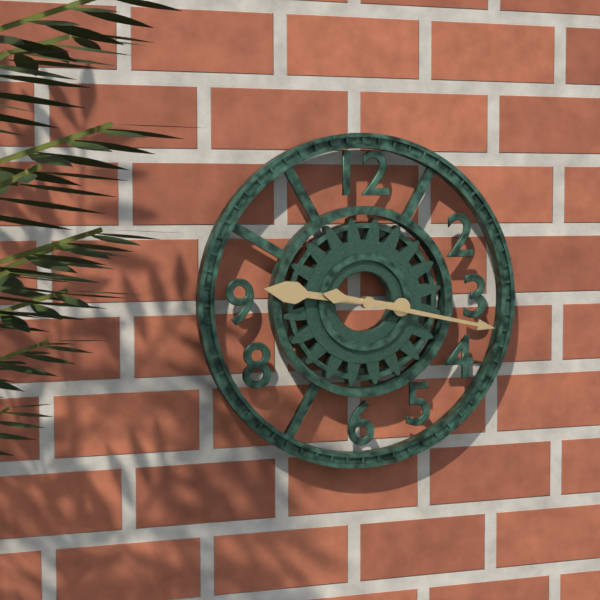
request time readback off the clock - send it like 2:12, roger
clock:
9:17
